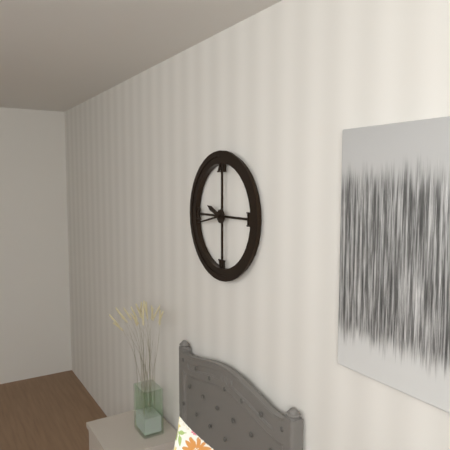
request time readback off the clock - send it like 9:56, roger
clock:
9:43
